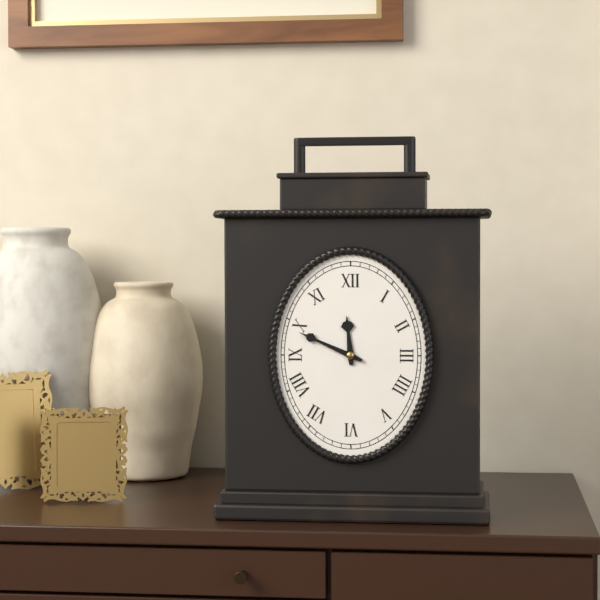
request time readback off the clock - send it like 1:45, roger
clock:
11:49
